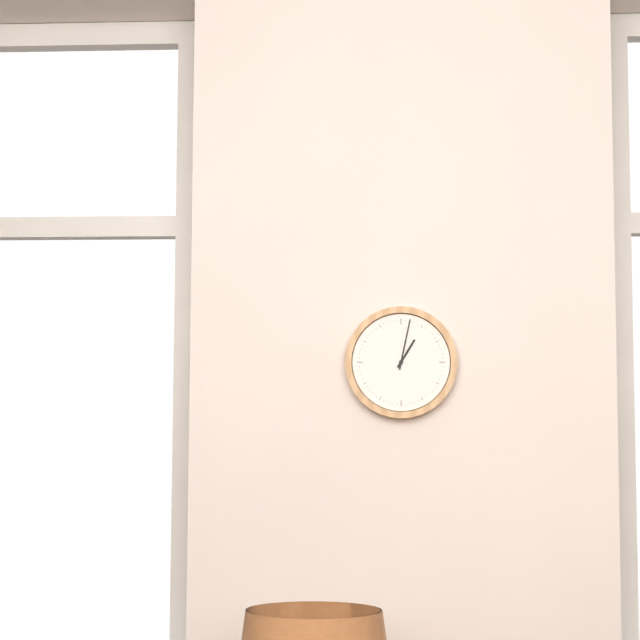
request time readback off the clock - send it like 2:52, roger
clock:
1:02
